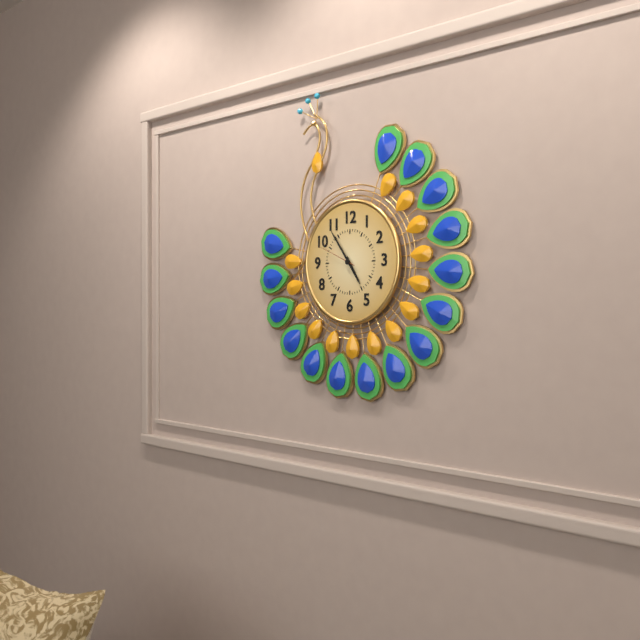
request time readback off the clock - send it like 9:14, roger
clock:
4:54
